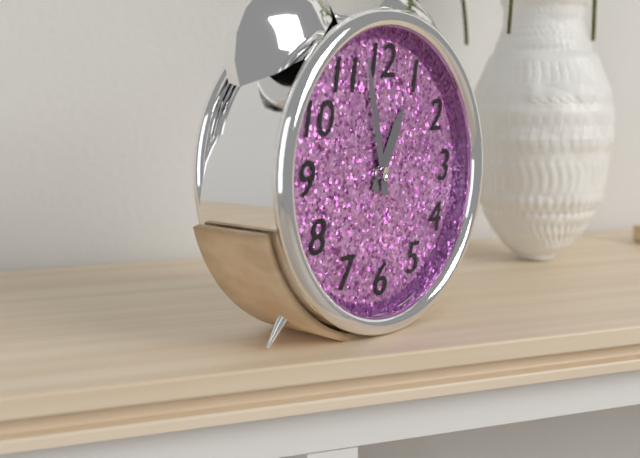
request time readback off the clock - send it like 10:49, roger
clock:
12:58
